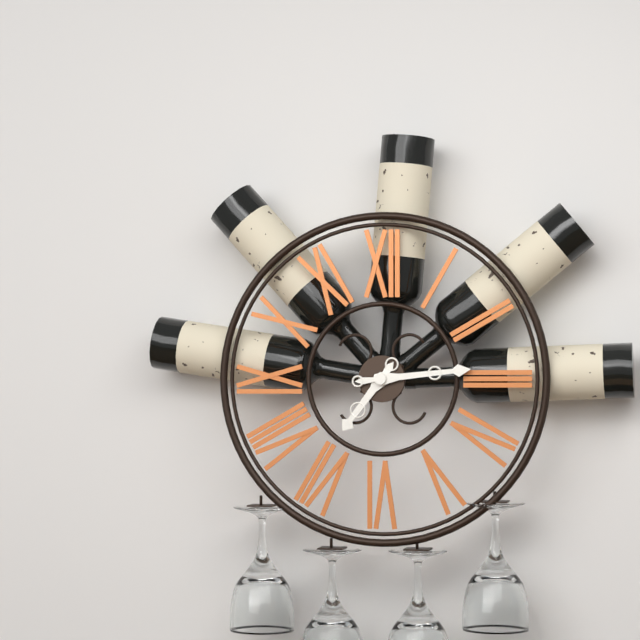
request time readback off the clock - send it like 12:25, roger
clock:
7:14
